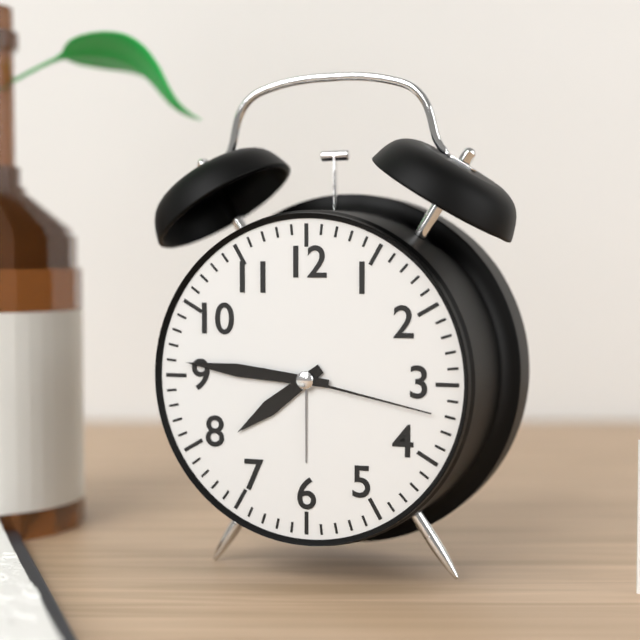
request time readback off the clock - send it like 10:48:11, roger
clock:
7:46:17
